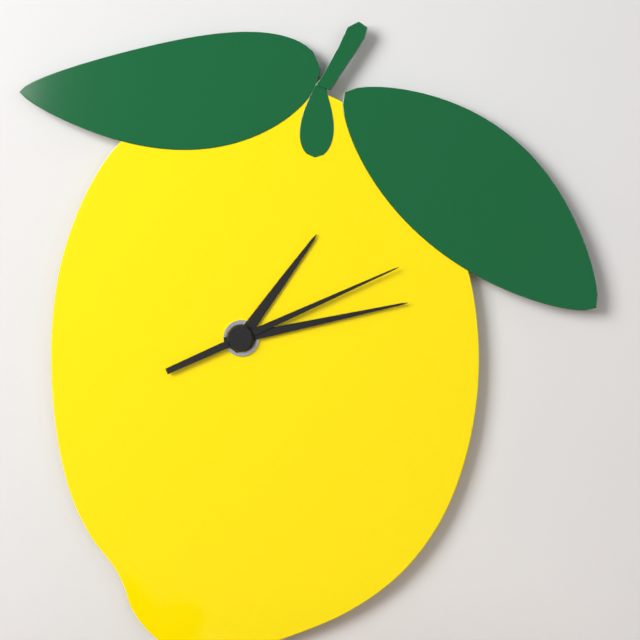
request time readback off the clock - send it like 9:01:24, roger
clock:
1:13:11
